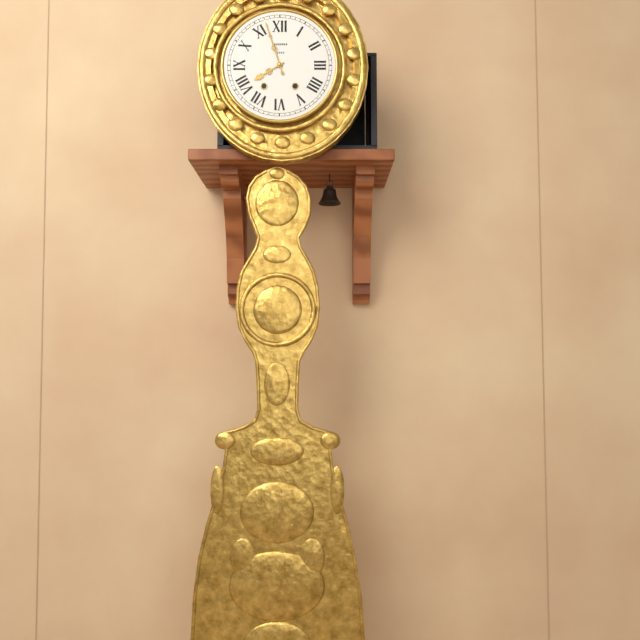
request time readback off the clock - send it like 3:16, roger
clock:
7:57
